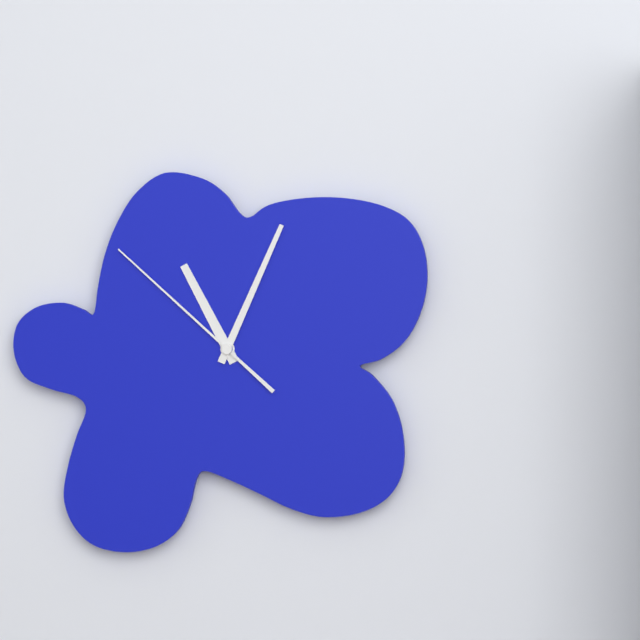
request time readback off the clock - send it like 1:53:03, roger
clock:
11:04:52
